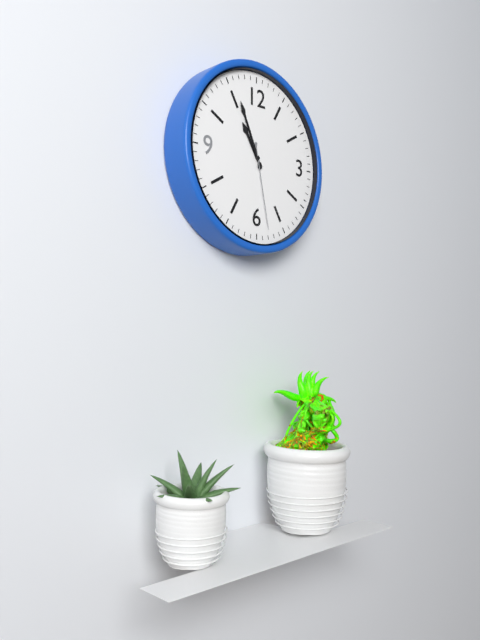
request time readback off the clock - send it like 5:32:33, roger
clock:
10:56:28
